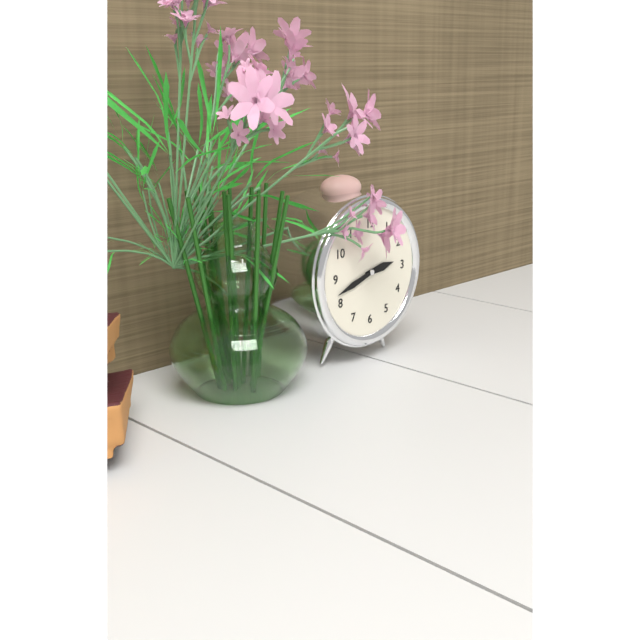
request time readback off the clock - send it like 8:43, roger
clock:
2:42
